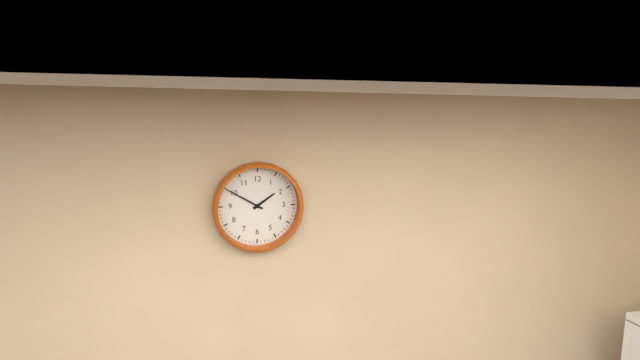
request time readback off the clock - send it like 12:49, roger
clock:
1:50
